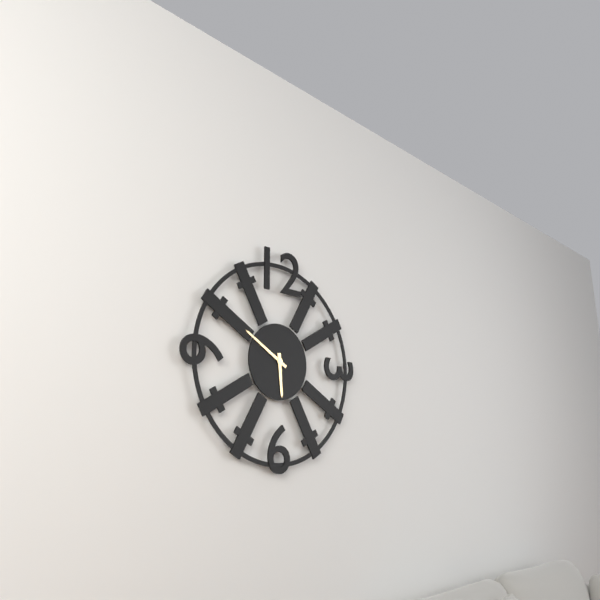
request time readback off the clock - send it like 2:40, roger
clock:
5:50
